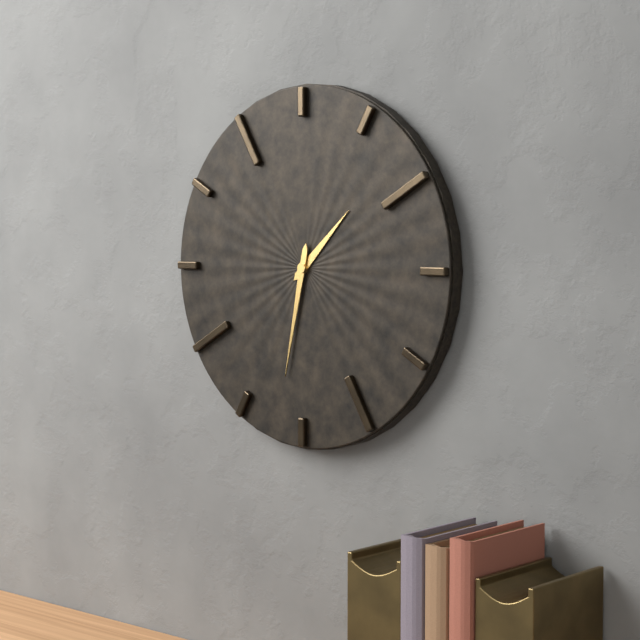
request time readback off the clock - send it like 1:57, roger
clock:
1:32
